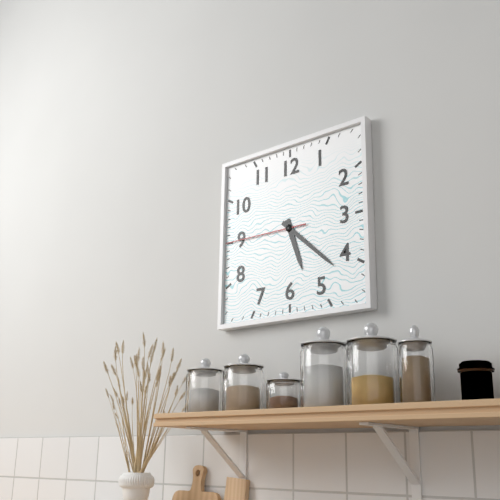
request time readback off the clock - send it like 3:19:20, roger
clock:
5:22:45
